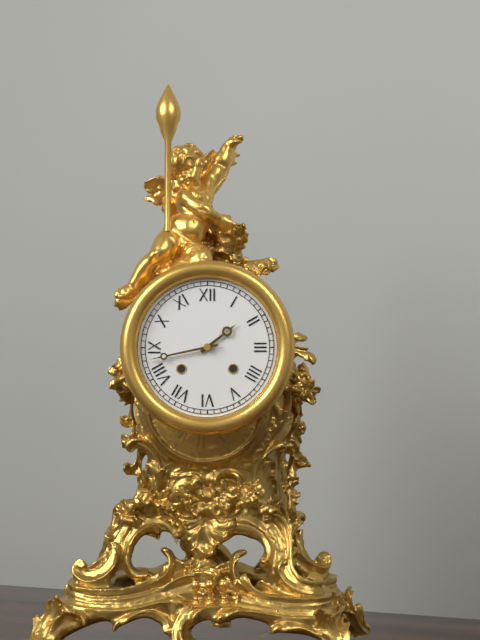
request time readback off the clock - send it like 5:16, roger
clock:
1:43
